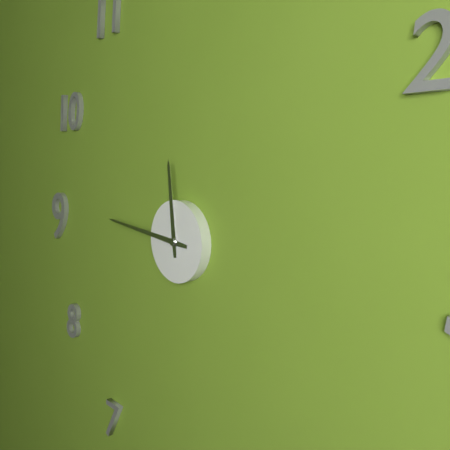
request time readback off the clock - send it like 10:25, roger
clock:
11:46
